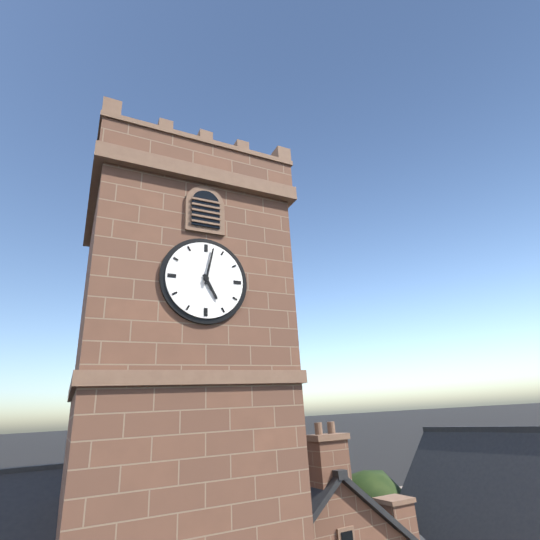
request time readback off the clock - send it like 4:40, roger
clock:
5:02
